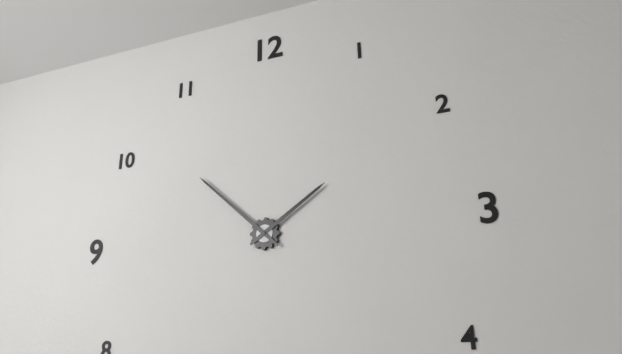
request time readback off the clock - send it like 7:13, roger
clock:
1:52
